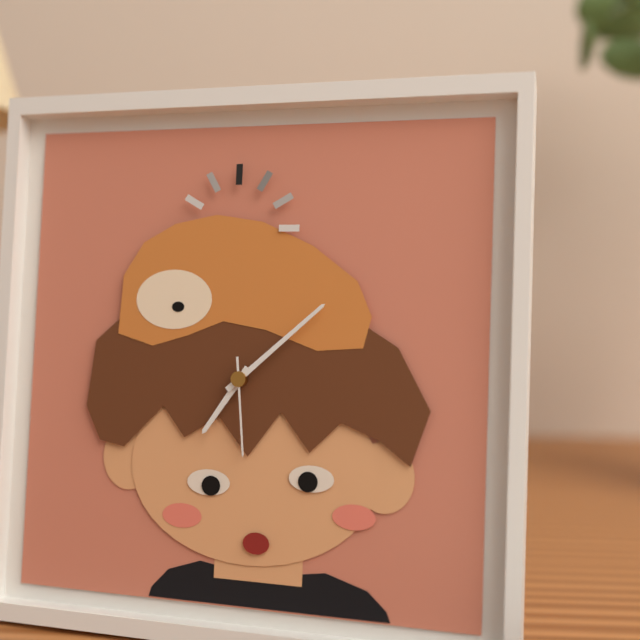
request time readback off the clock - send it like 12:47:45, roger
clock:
7:08:29
